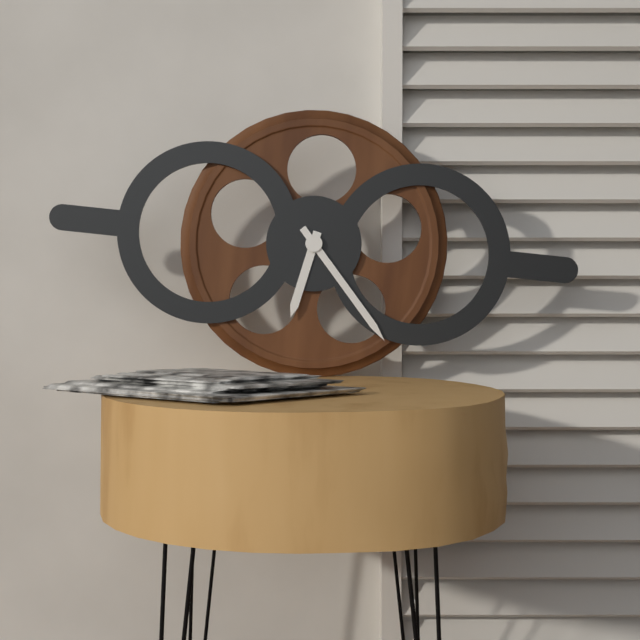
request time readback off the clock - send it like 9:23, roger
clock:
6:23
